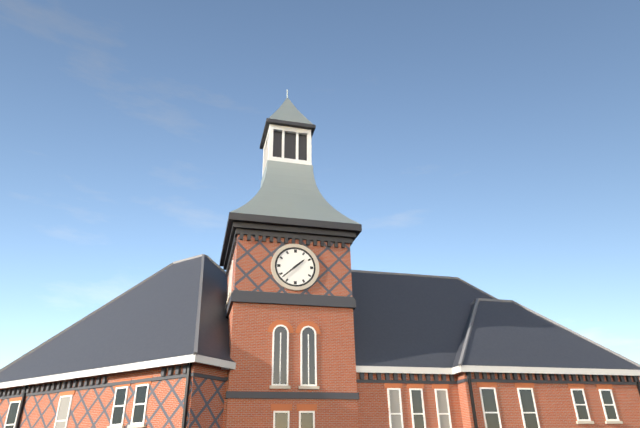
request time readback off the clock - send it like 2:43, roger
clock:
1:38
